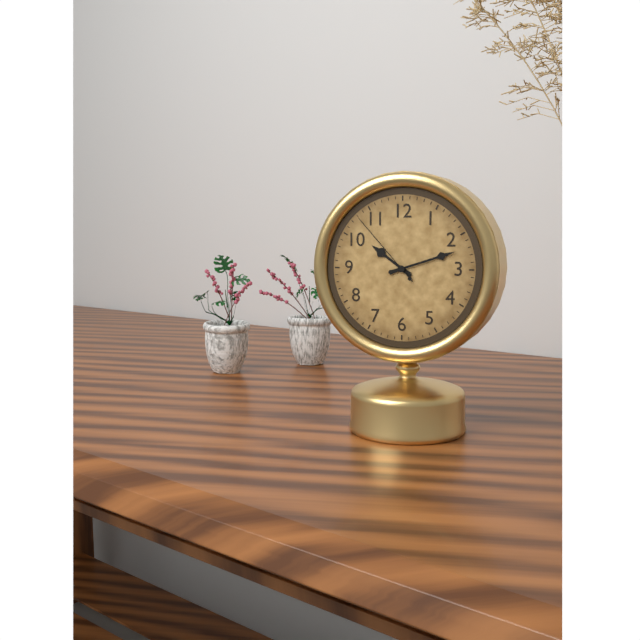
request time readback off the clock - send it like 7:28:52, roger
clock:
10:12:53
